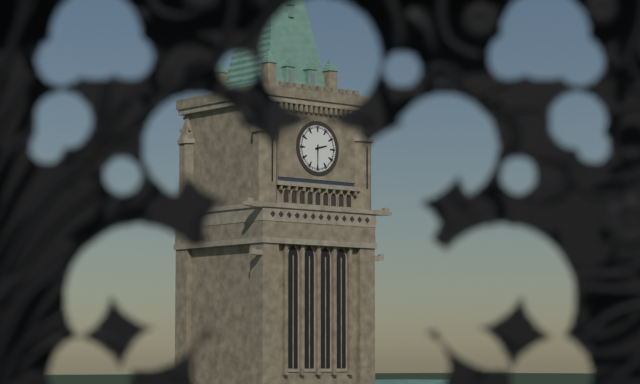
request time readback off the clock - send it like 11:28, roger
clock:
2:30
